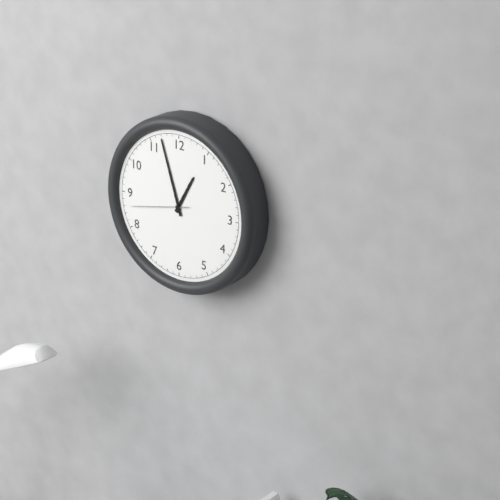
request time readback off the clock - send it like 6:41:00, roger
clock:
12:57:43
